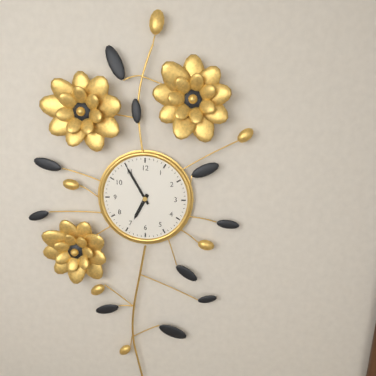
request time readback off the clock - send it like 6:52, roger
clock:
6:55
